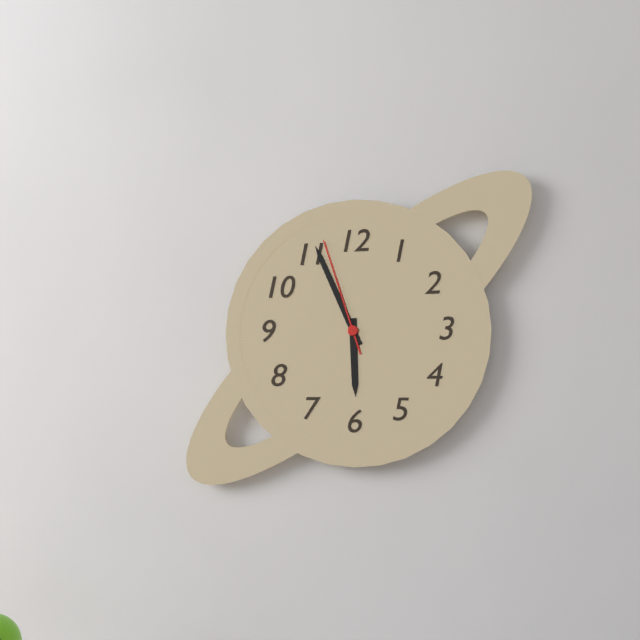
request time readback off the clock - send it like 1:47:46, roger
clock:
5:56:57
